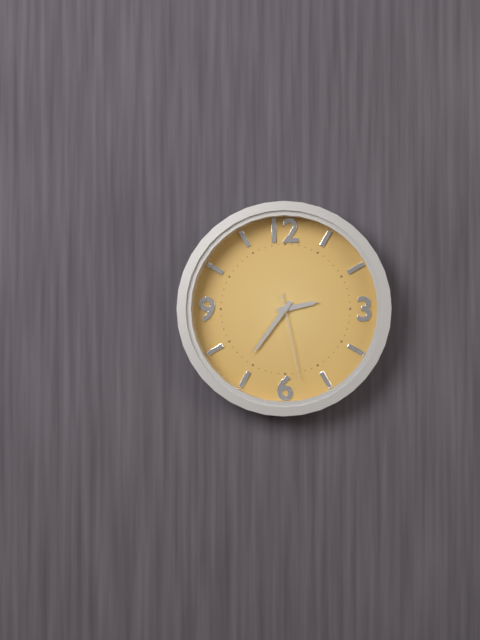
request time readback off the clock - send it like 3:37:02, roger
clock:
2:36:28
